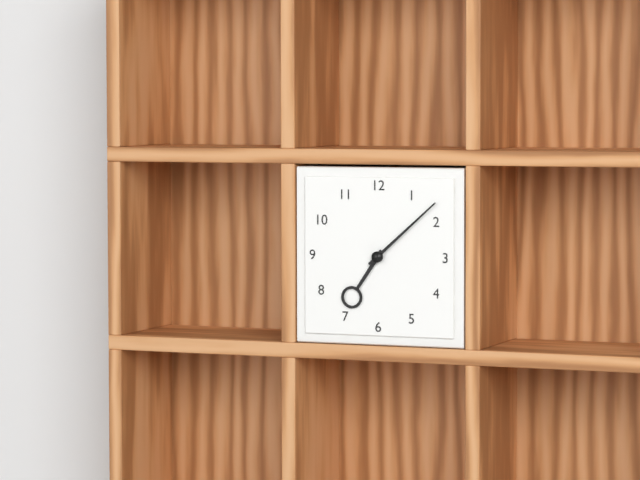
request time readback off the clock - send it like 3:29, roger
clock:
7:08
